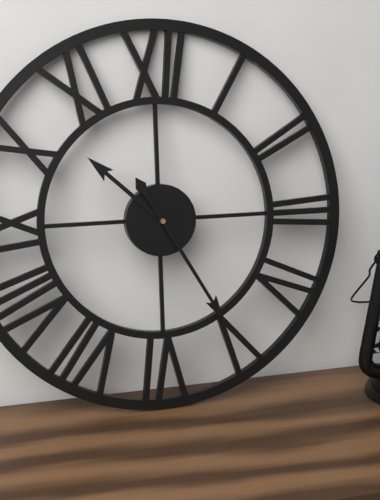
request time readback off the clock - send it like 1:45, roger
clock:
10:25
